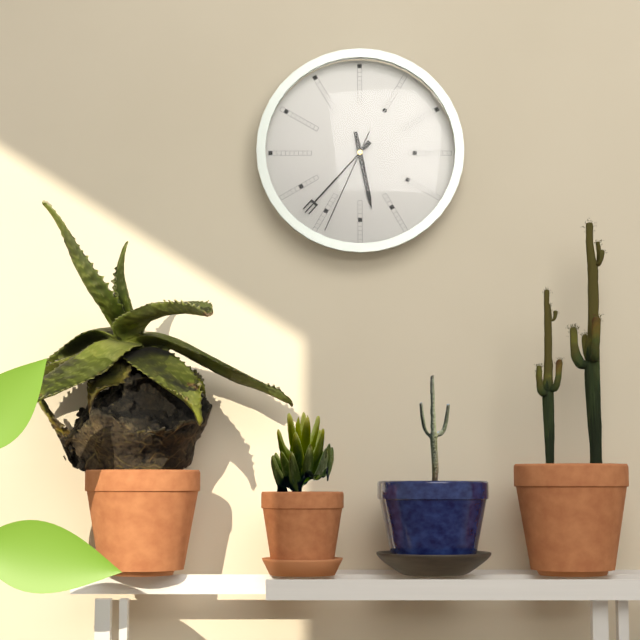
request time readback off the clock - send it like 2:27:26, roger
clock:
5:37:34
